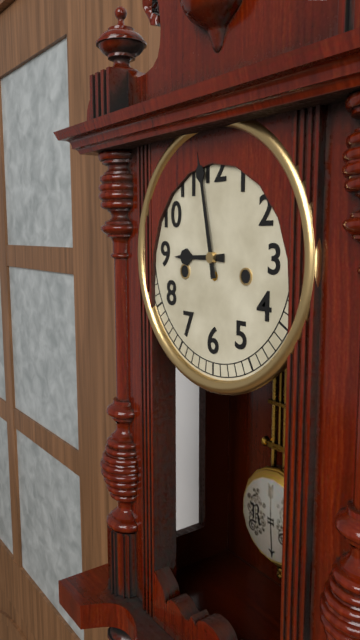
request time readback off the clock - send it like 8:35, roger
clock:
8:58
